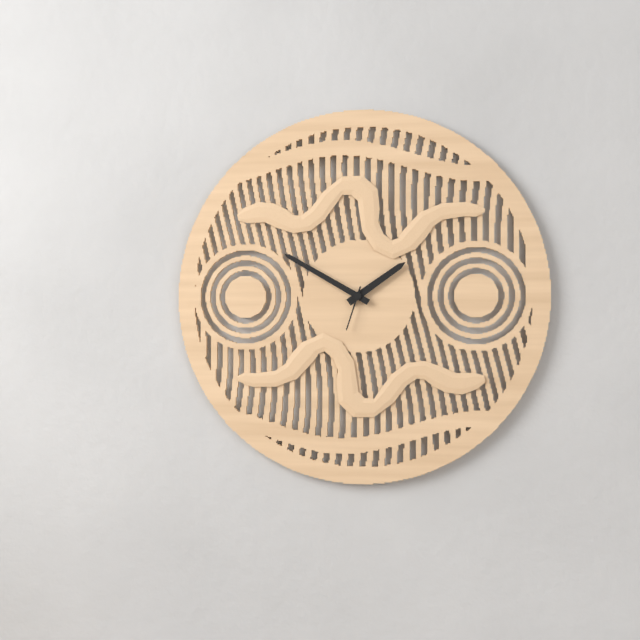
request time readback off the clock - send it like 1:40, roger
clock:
1:50
